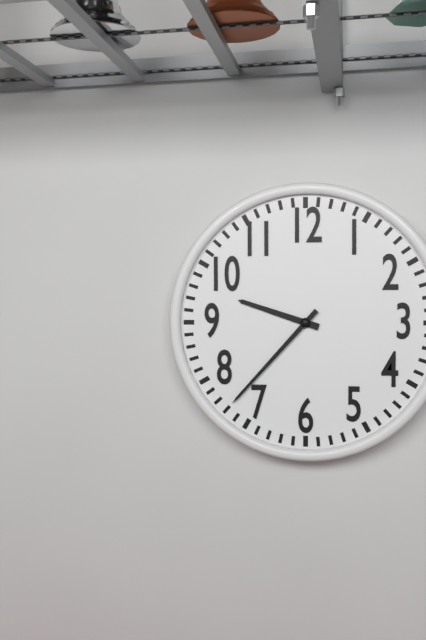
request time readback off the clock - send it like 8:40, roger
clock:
9:37
